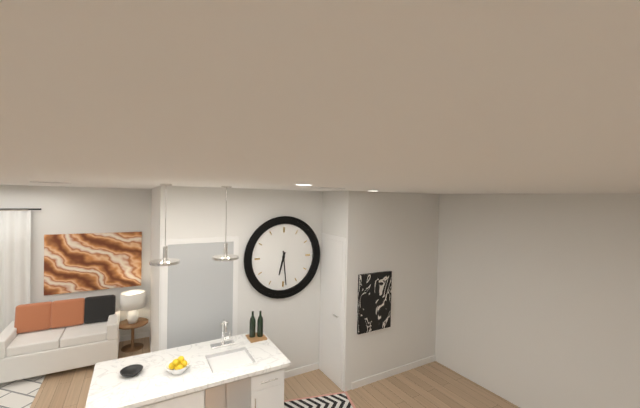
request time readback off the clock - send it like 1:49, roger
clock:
6:29
